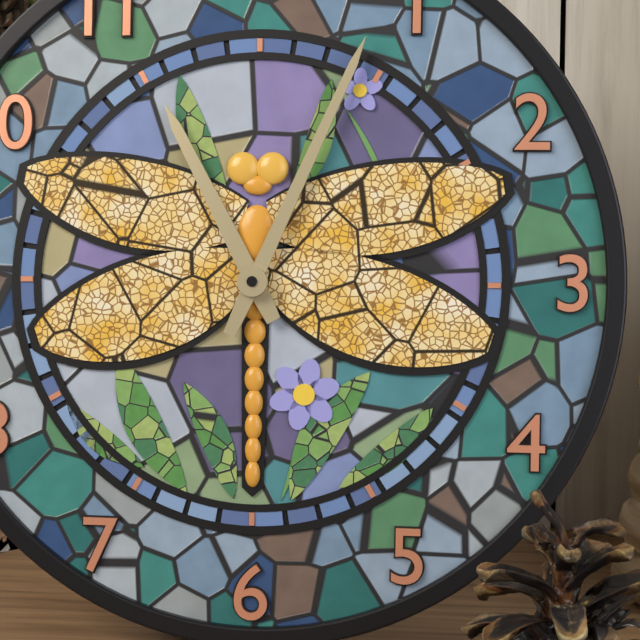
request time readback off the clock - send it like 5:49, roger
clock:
11:04
